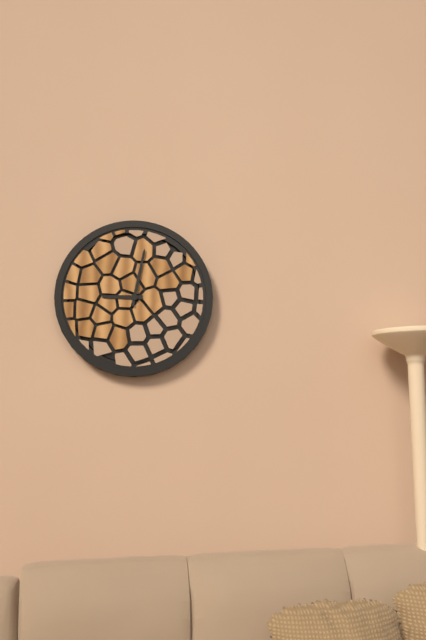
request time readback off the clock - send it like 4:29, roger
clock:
9:02
